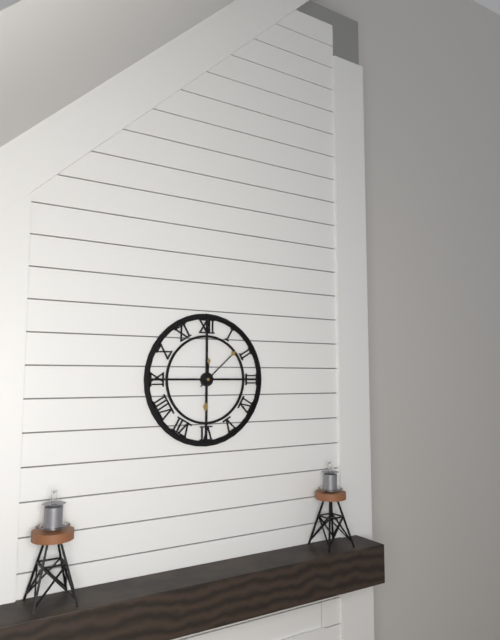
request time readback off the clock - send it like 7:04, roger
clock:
6:08
